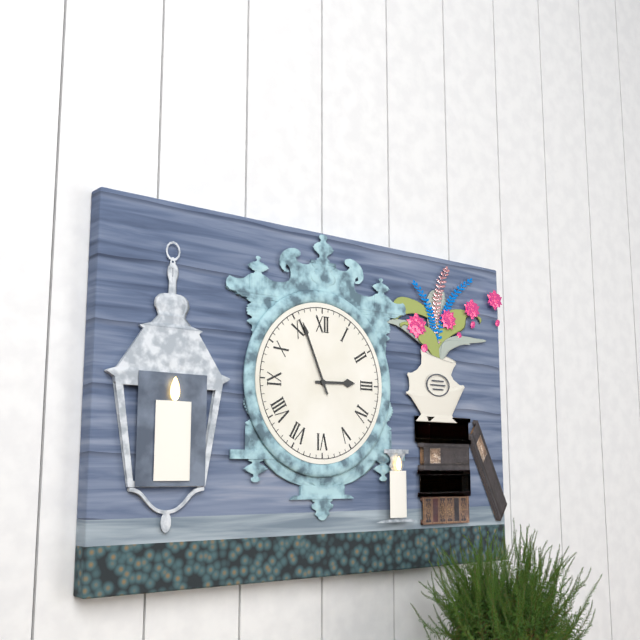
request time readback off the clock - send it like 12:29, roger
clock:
2:56
